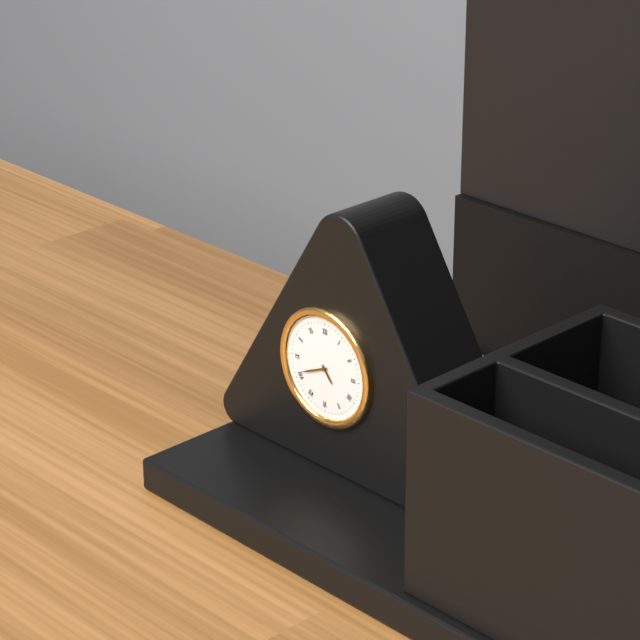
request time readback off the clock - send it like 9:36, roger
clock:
4:41
